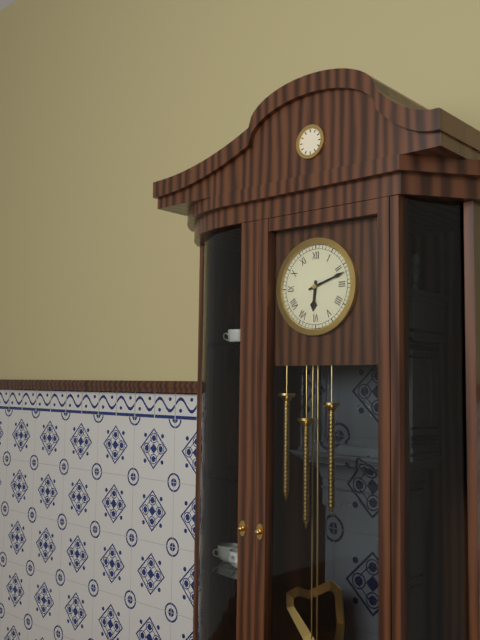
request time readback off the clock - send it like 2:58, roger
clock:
6:12
